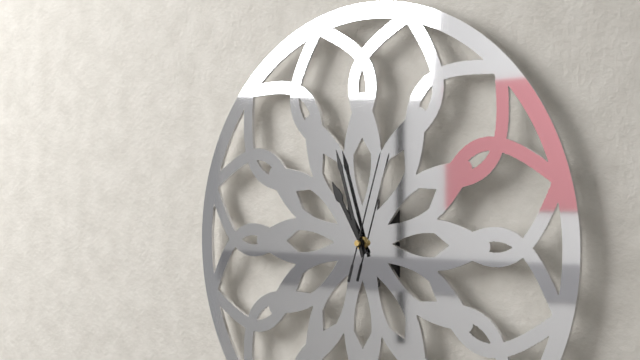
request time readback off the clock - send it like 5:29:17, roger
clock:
10:57:03
